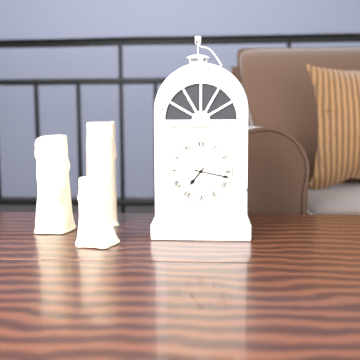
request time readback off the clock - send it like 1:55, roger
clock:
7:17
